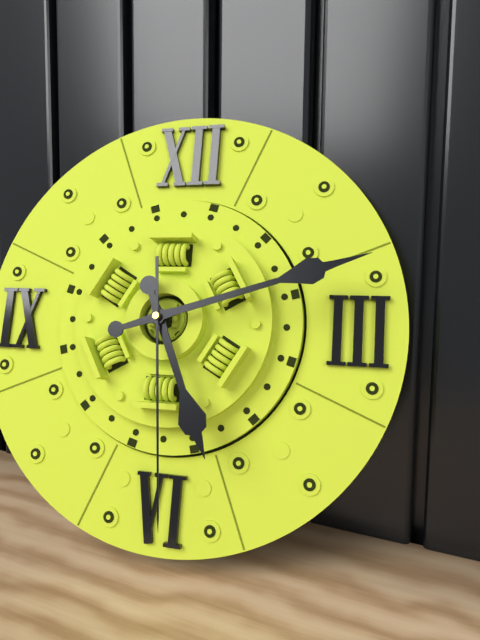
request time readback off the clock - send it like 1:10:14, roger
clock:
5:12:29
